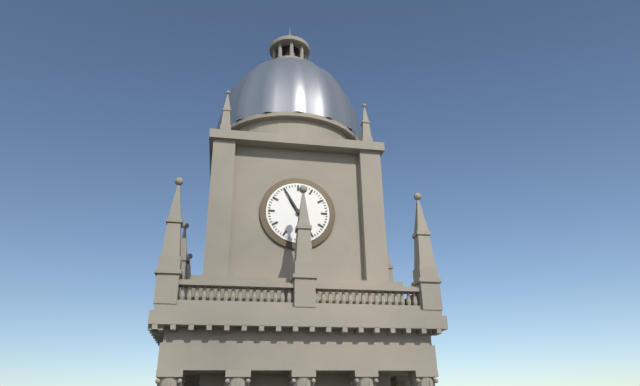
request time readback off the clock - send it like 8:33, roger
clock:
10:55
